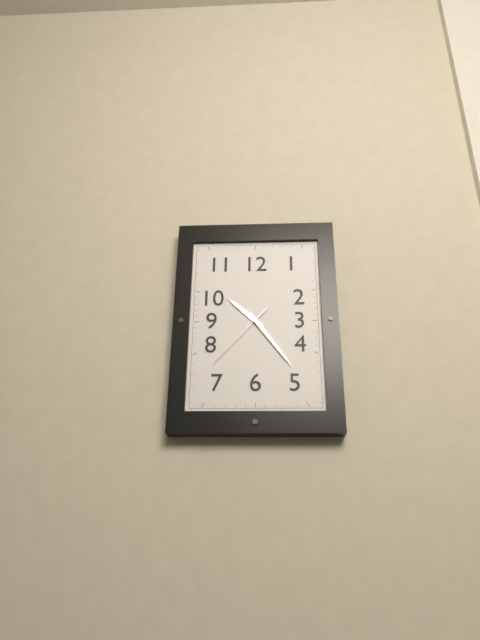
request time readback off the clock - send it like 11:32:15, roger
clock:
10:24:37
